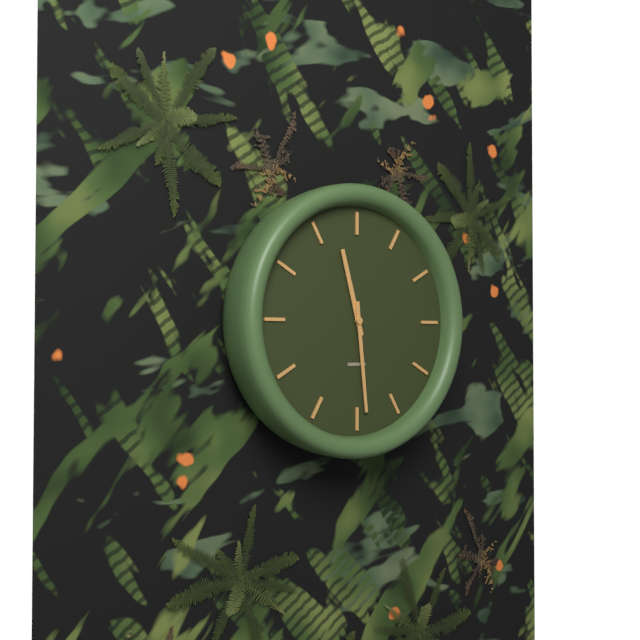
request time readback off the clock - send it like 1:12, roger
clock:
11:29
